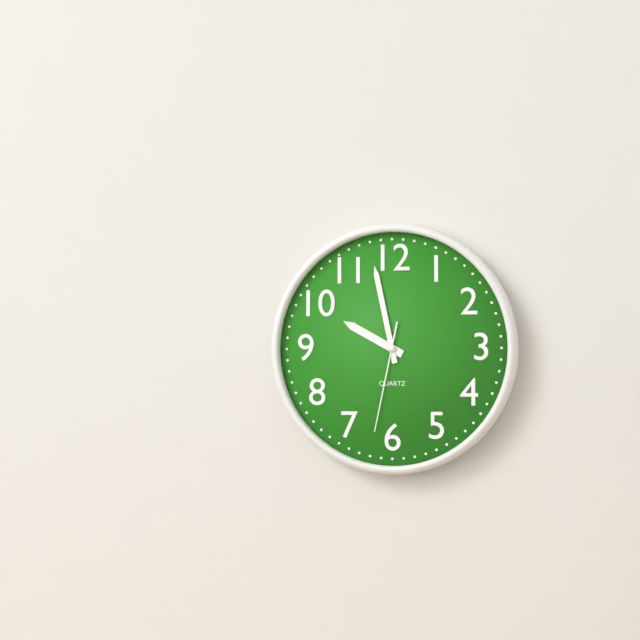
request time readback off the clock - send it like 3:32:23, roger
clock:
9:58:32
